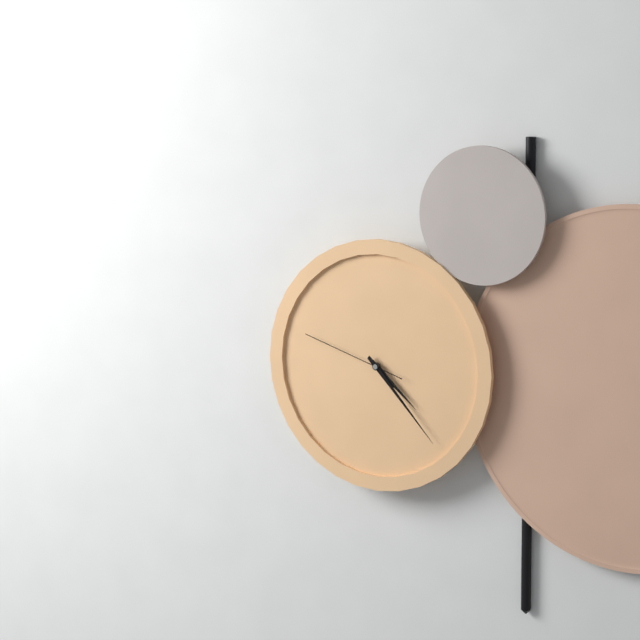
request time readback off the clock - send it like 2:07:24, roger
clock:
4:23:48
